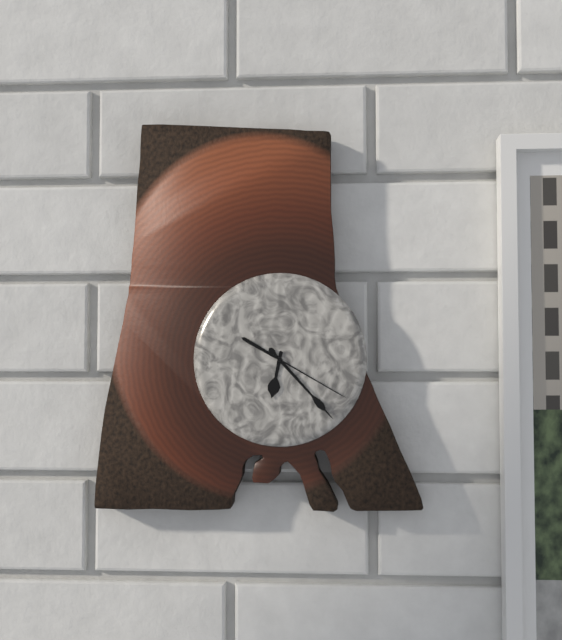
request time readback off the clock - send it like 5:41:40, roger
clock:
6:23:20
